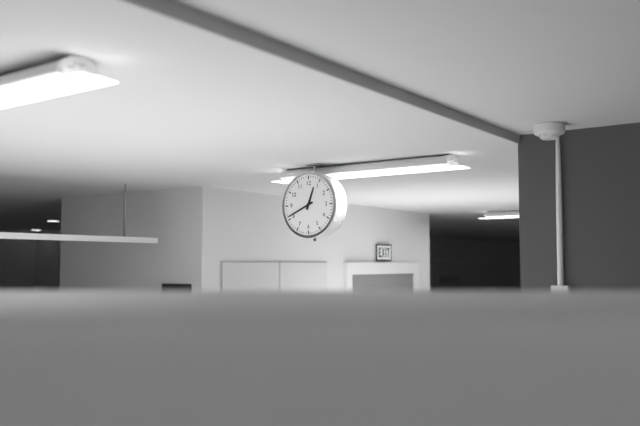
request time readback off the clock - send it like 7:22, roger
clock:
12:41
